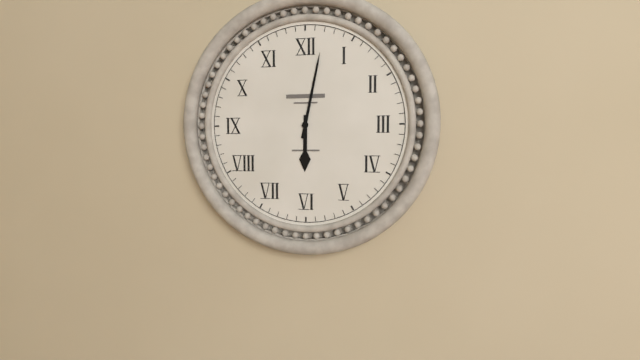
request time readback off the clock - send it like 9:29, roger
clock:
6:02
